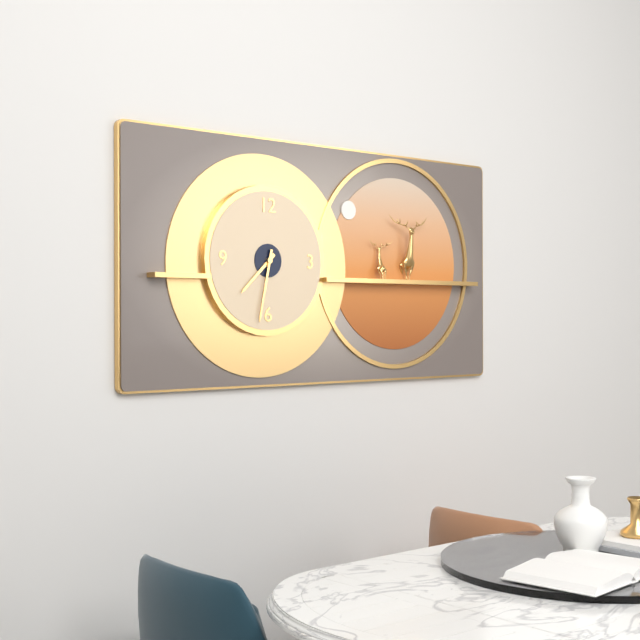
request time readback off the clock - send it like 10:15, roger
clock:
7:32
